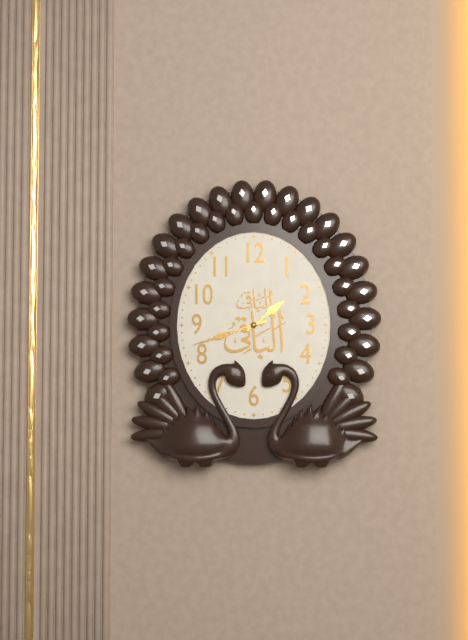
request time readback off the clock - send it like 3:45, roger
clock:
1:42
